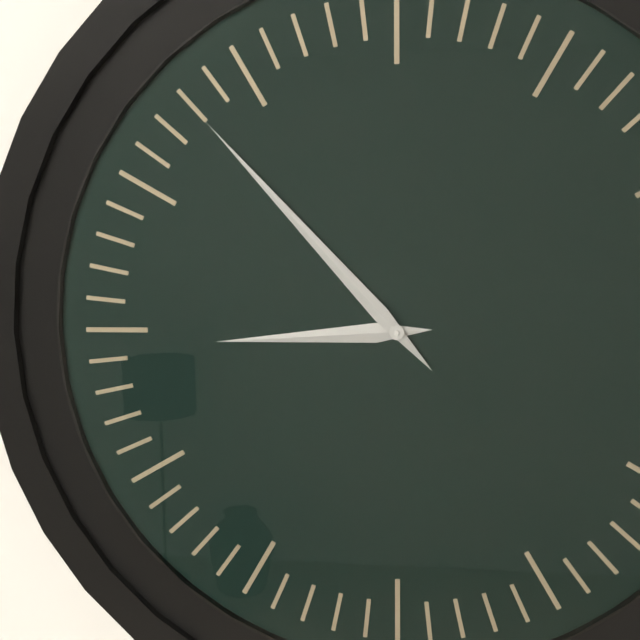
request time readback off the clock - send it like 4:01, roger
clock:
8:53
